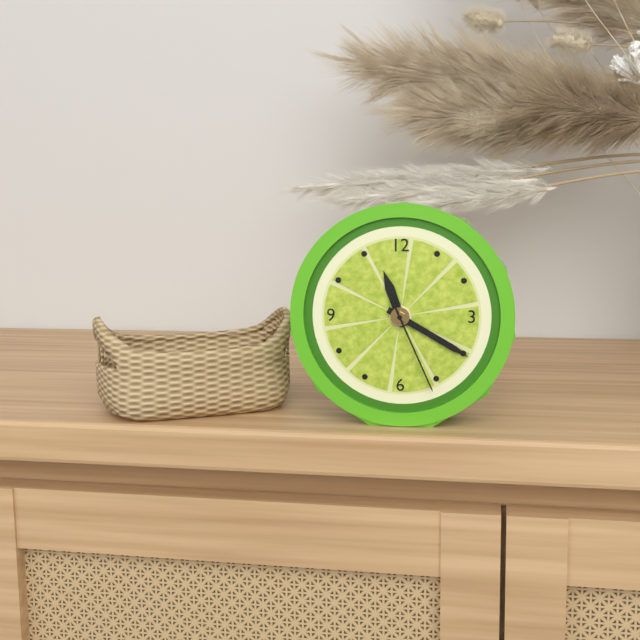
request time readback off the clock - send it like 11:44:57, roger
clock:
11:20:26
